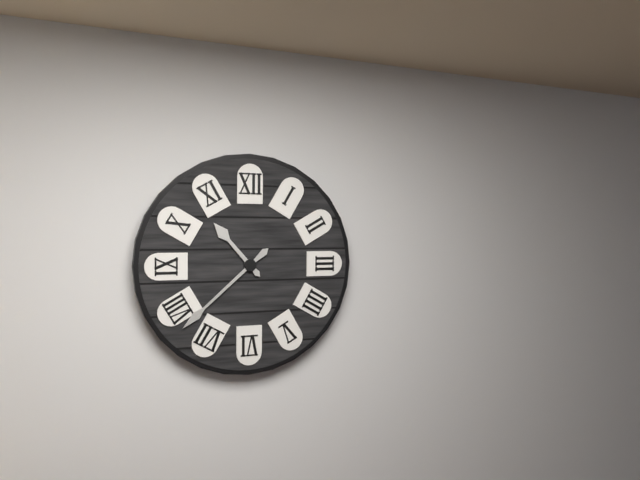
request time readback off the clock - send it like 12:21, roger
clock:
10:38
